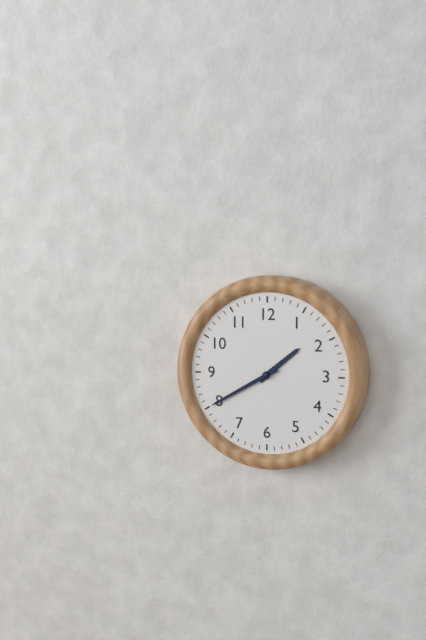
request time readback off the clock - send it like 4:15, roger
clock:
1:40
